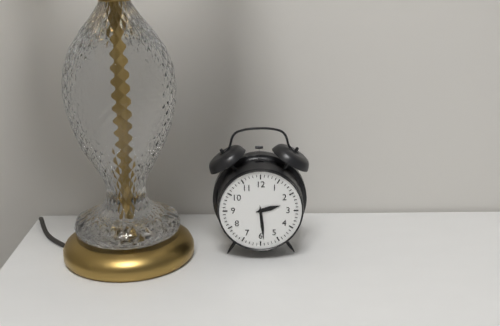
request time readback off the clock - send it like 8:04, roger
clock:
2:29
